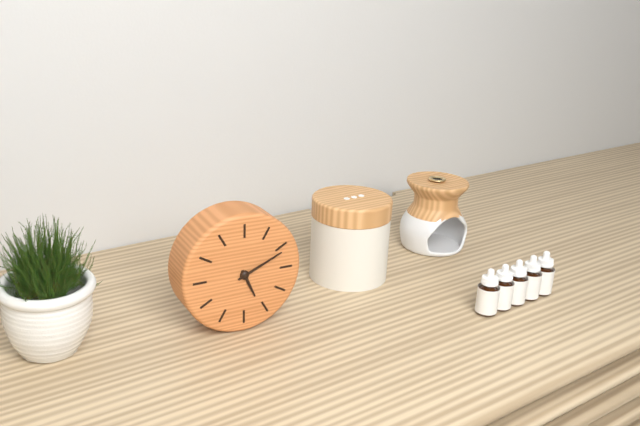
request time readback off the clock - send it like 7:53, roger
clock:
5:11
